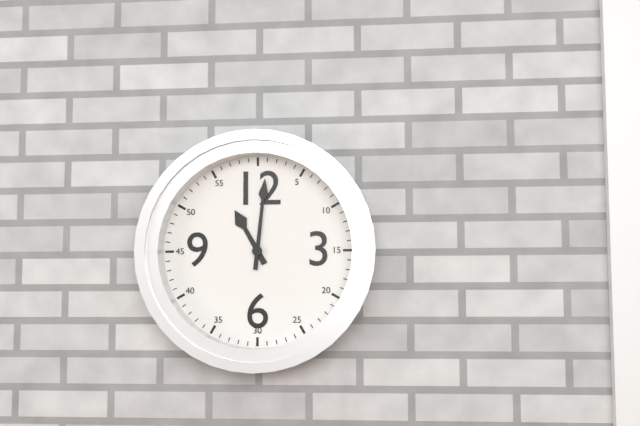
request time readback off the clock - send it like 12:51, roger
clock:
11:01
